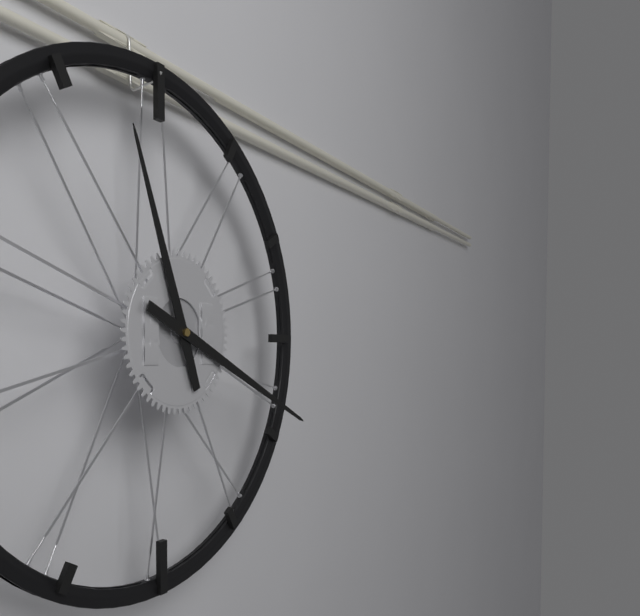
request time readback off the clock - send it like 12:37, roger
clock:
11:19
